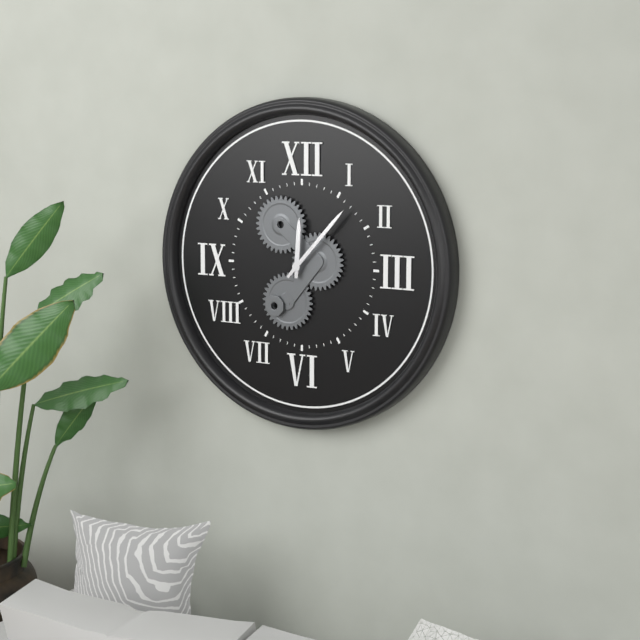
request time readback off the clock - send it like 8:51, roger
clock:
12:07
